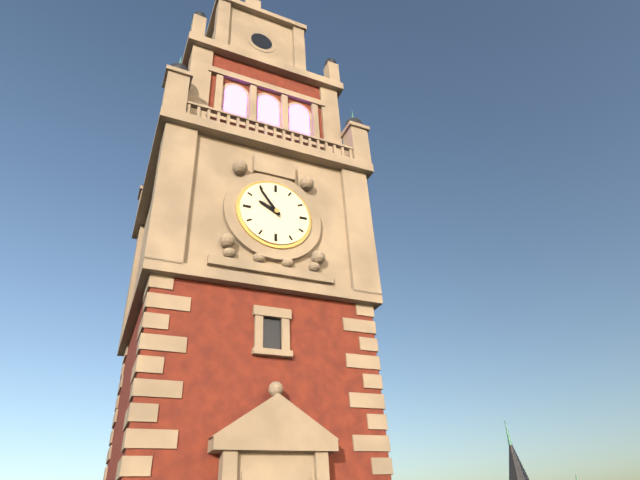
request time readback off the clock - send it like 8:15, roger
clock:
9:54
